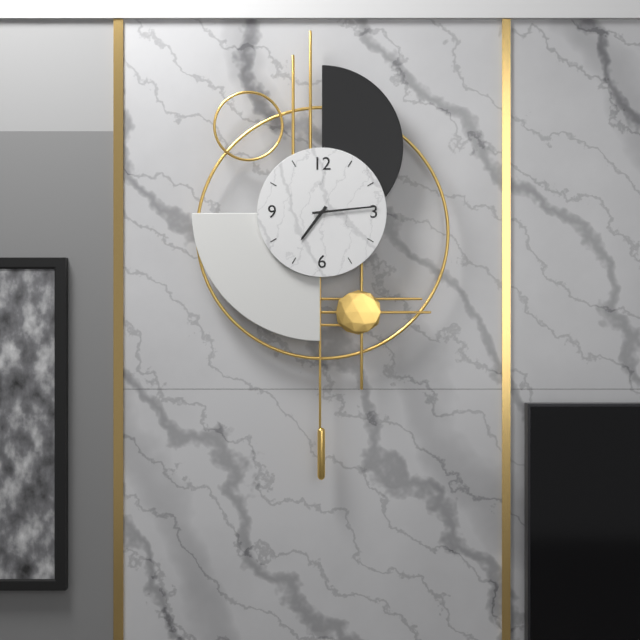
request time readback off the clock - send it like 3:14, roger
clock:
7:14
